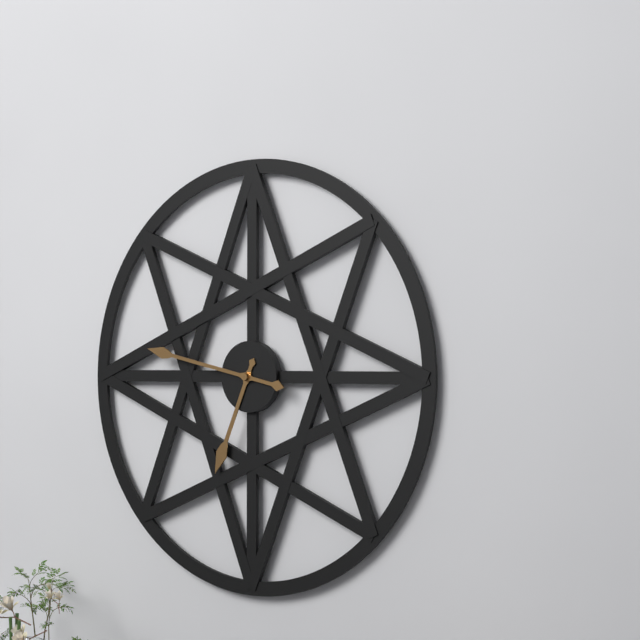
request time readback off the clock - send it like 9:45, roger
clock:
6:47
